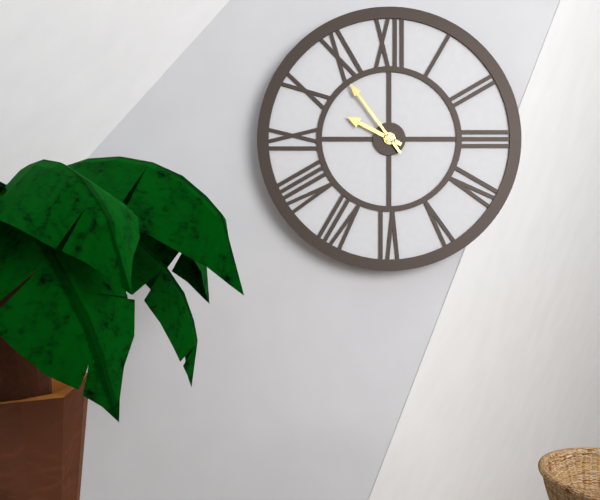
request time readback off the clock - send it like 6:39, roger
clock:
9:54
